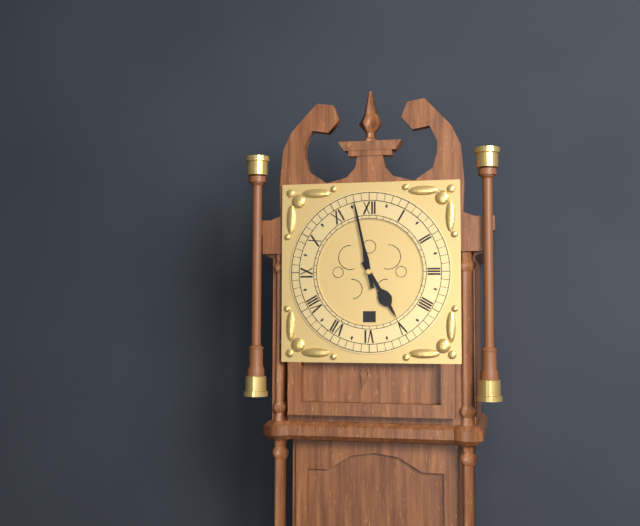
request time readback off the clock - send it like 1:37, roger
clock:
4:58
